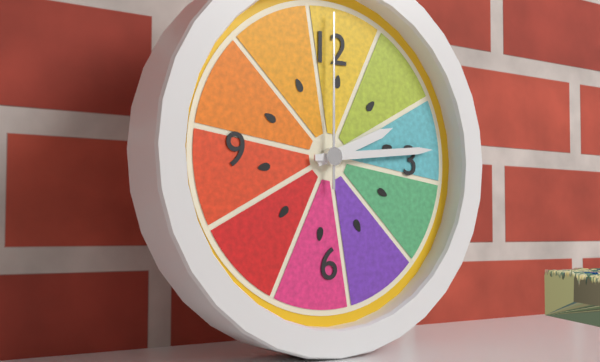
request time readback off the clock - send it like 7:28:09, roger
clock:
2:14:00
